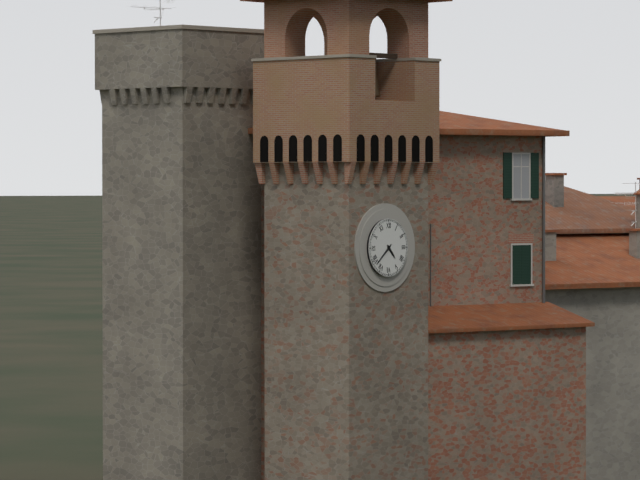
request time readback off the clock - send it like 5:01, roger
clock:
4:38
